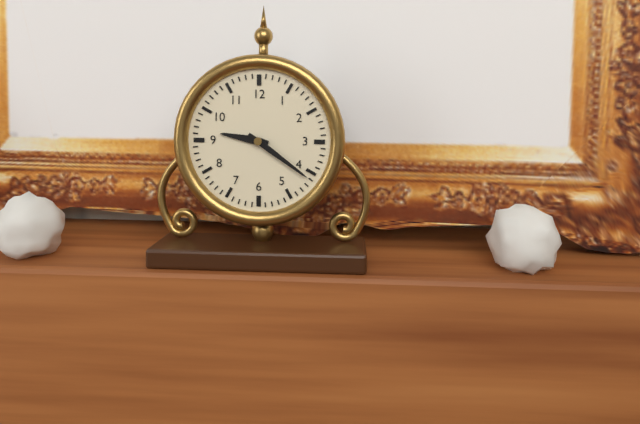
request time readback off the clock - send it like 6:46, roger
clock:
9:21
